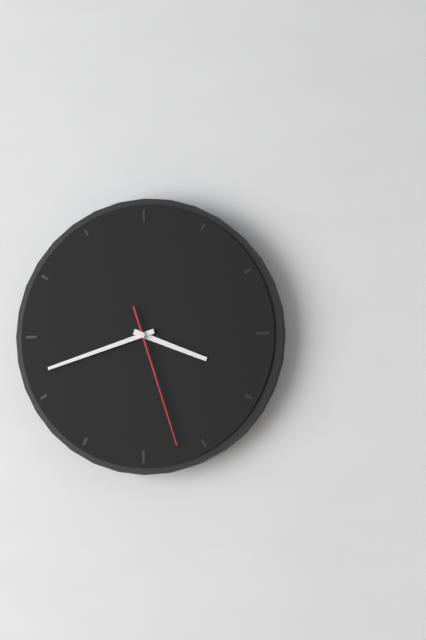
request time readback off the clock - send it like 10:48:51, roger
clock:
3:42:27
